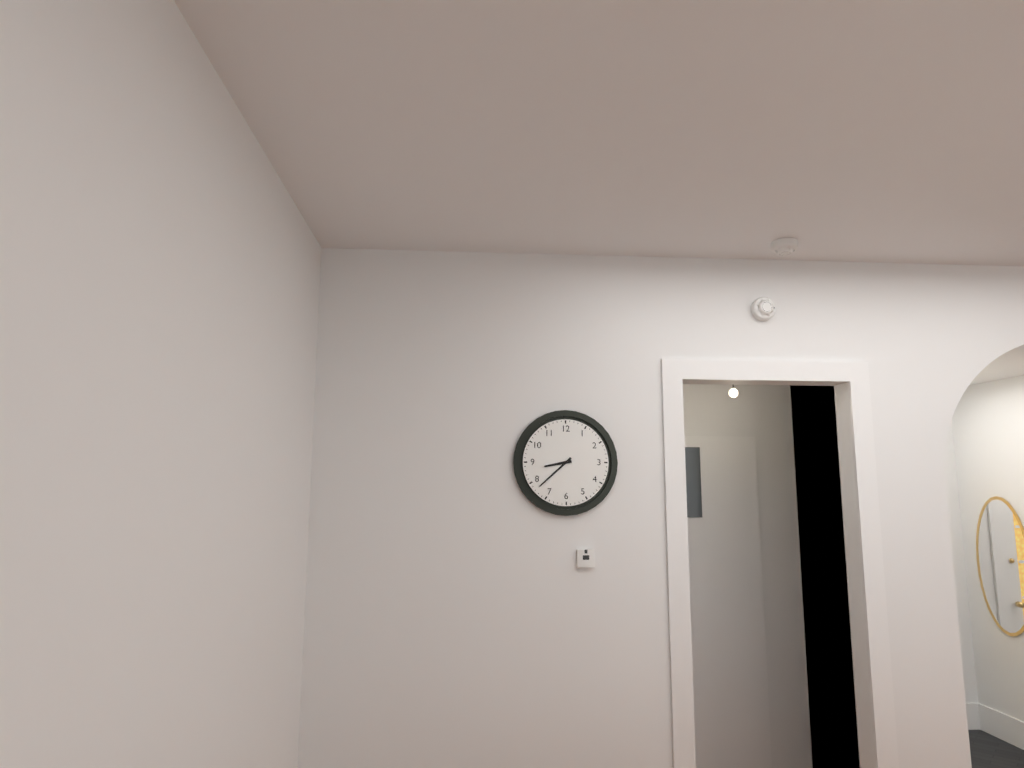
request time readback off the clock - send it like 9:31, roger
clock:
8:38
